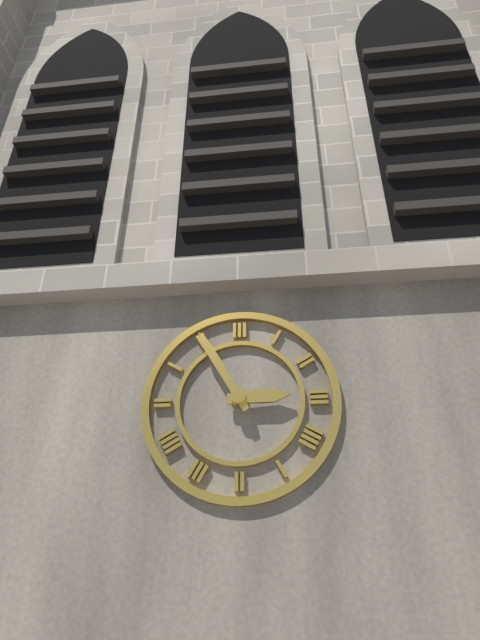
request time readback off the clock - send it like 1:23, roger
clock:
2:55
